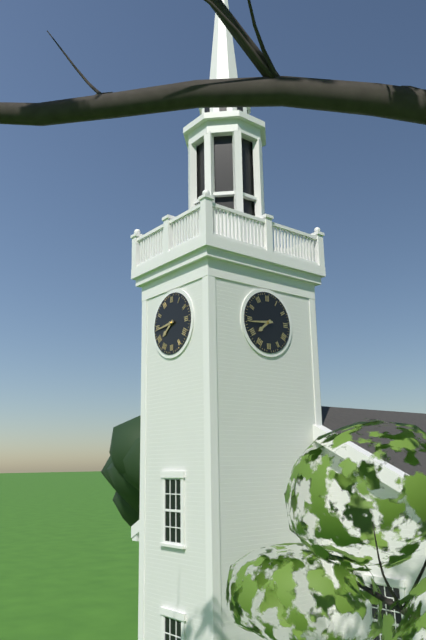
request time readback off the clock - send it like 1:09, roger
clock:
7:44
